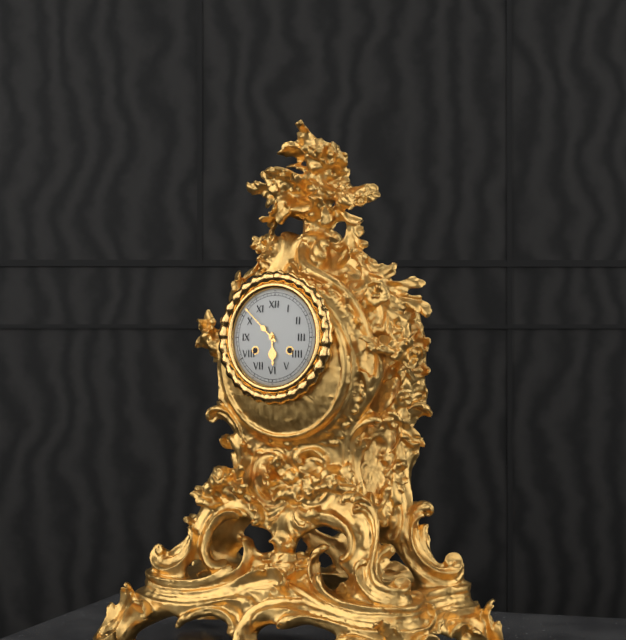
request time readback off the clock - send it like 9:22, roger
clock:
5:52
